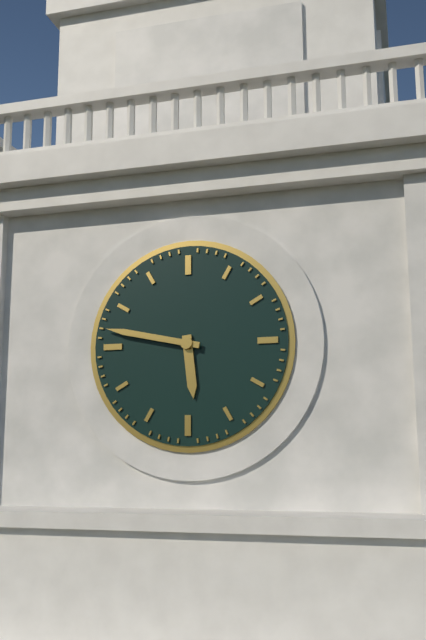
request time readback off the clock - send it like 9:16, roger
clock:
5:47
